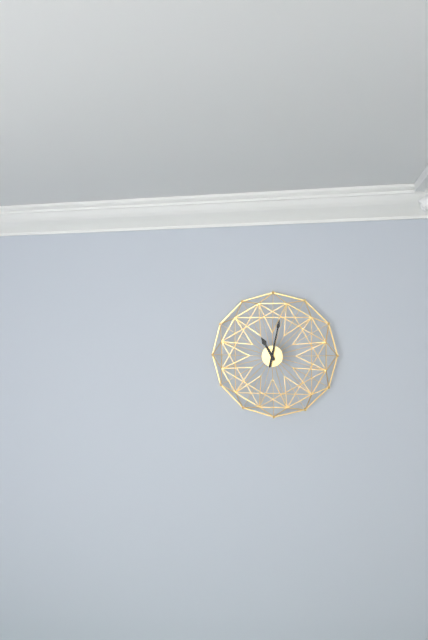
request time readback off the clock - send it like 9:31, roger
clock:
11:02
